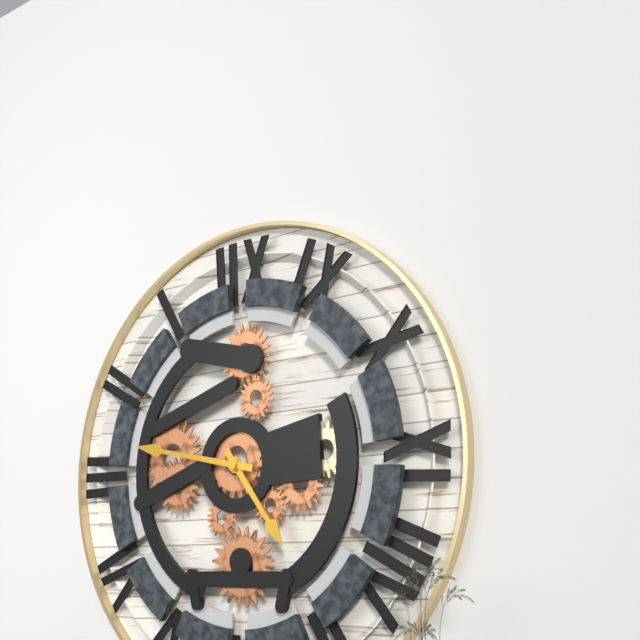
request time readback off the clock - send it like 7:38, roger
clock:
4:47
